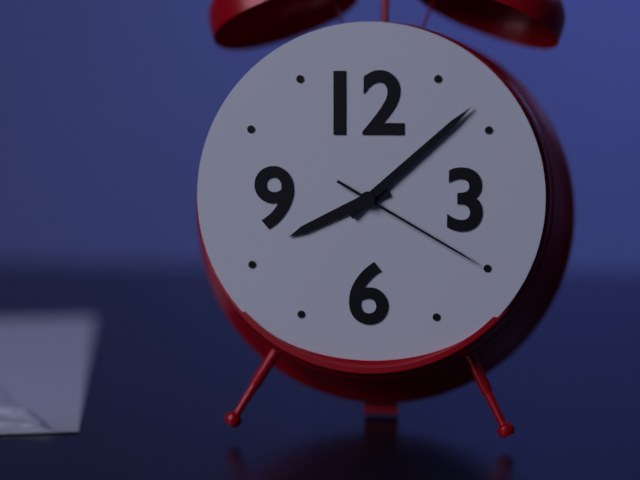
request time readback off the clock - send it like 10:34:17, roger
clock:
8:08:20
